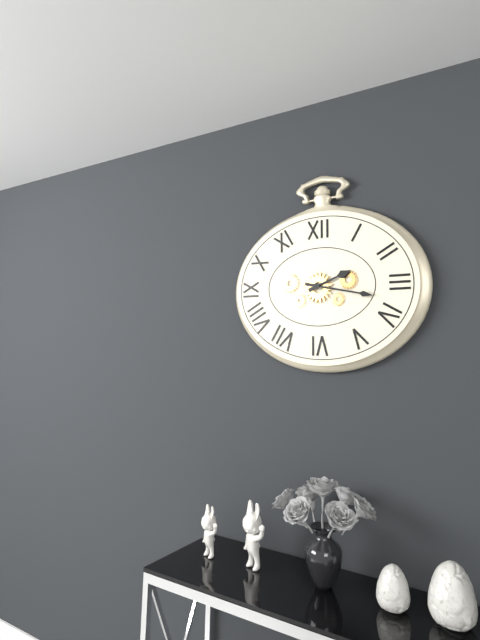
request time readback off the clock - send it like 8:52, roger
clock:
2:17
